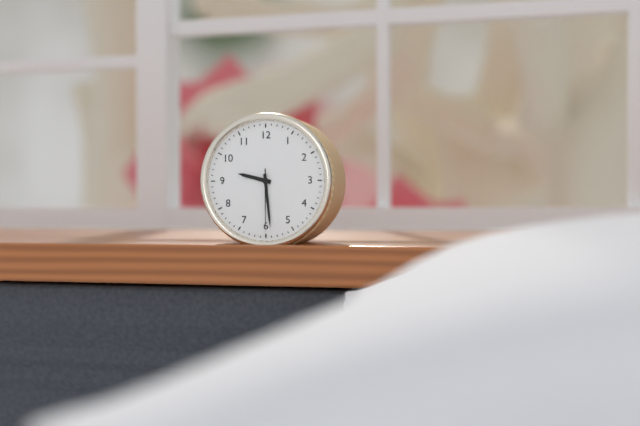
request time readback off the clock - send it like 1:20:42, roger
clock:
9:29:30
